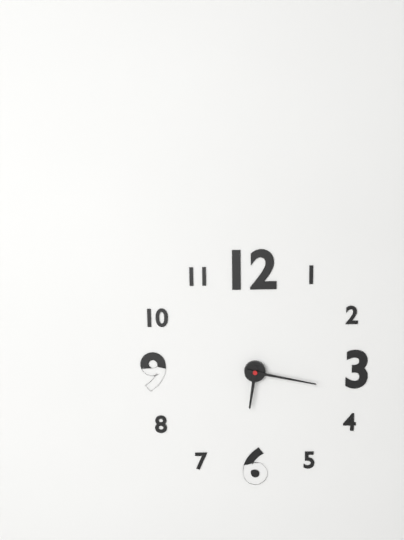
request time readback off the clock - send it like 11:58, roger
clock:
6:17
